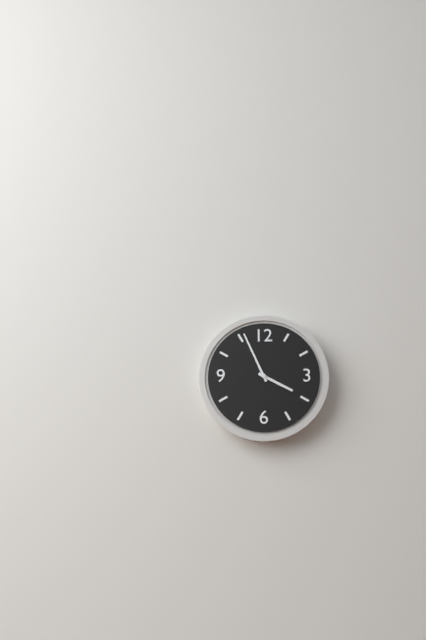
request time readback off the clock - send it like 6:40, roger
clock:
3:56
